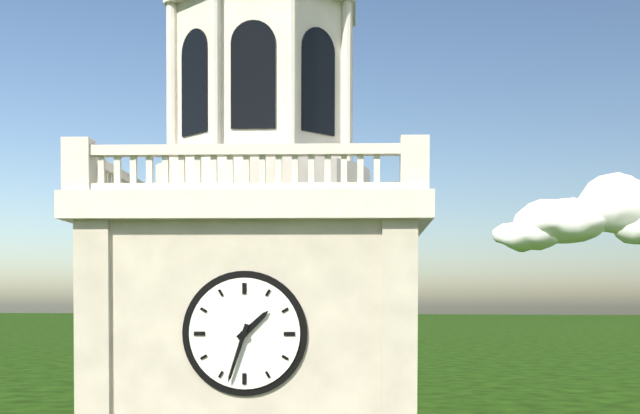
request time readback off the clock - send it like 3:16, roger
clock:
1:33
